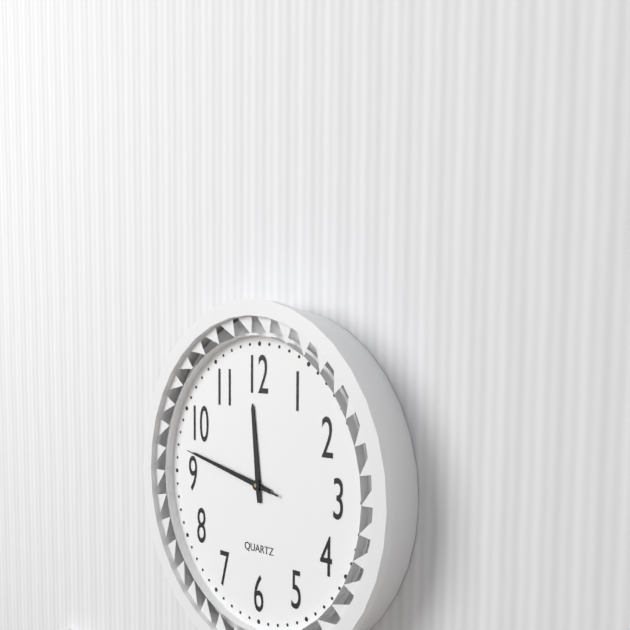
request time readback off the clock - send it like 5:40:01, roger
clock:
11:47:47
